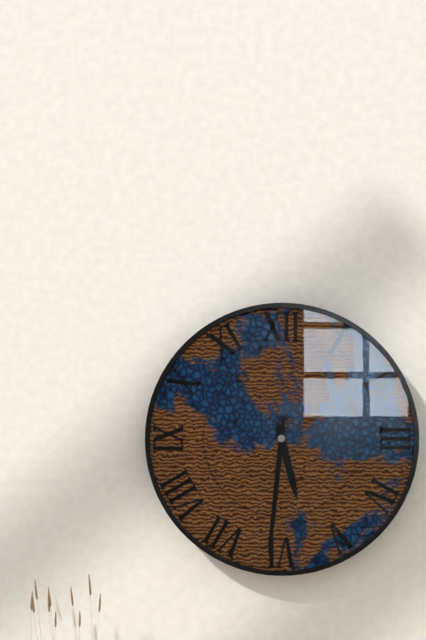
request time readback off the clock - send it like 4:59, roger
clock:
5:31
